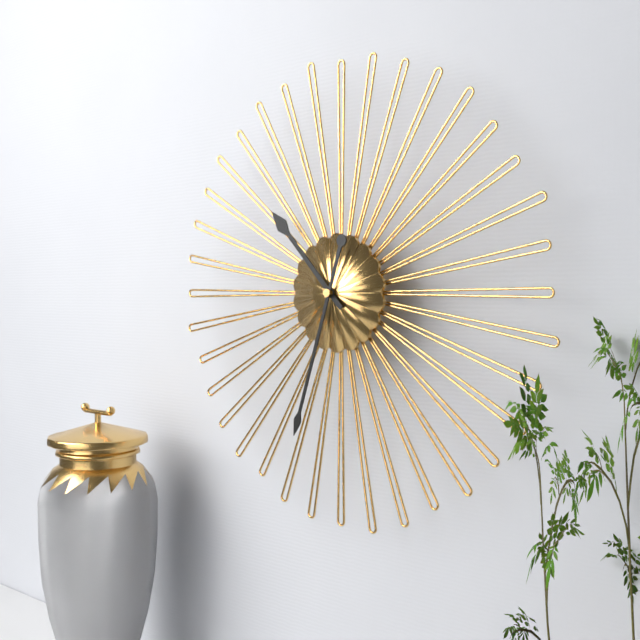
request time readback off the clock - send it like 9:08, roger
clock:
10:33
